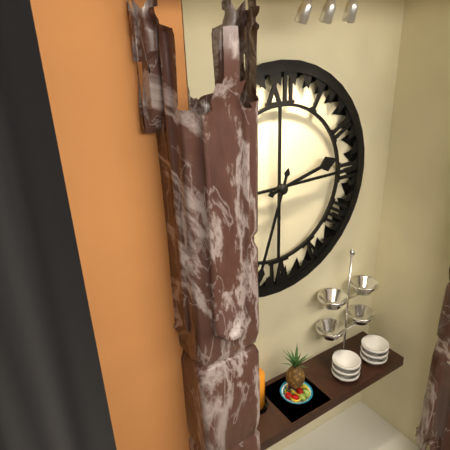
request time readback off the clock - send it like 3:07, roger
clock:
2:33
